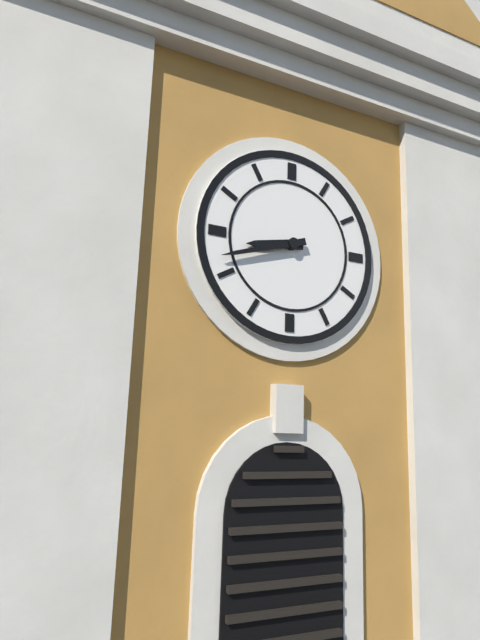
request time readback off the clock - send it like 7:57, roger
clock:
8:42
